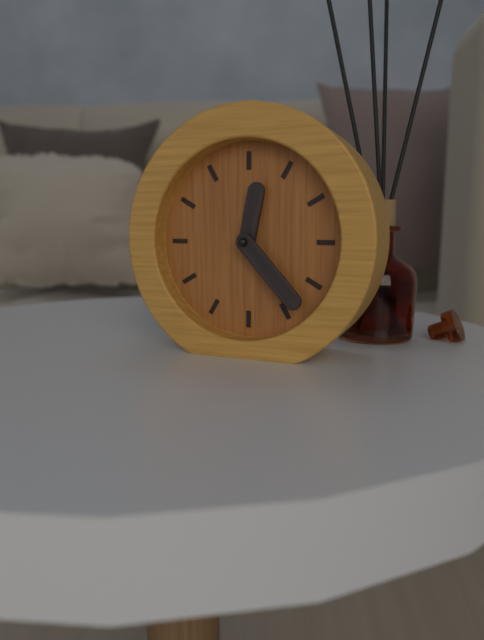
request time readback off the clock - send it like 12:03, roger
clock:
12:23
